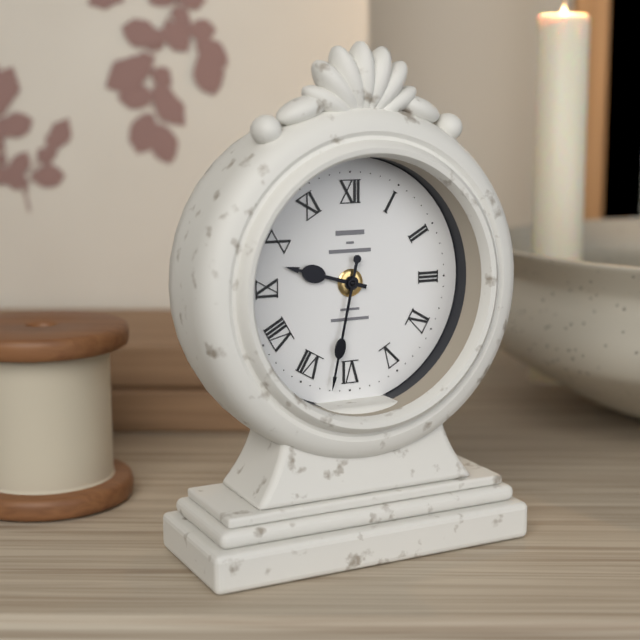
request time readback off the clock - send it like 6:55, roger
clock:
9:32
